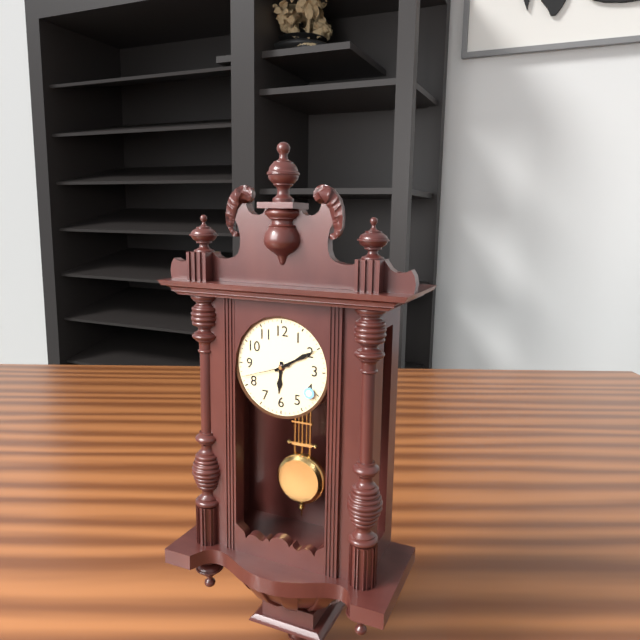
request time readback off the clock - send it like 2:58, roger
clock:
6:10
